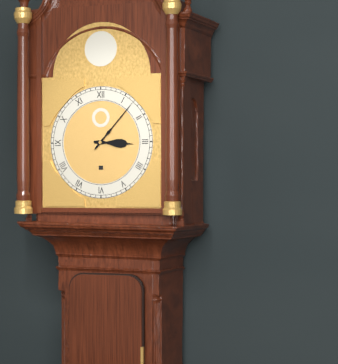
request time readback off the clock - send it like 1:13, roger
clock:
3:07
